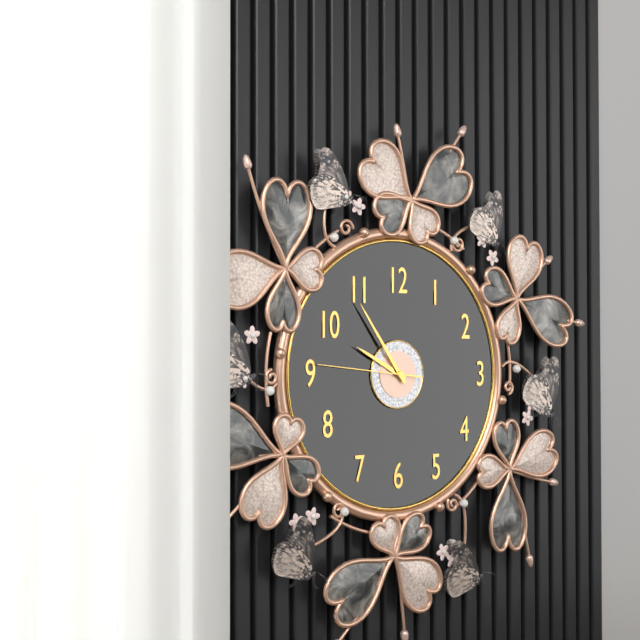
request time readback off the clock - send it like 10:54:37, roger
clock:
9:54:46
